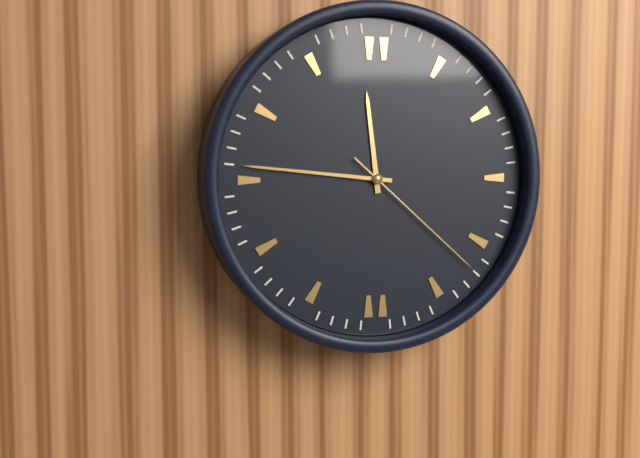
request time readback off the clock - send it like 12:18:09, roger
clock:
11:46:22
